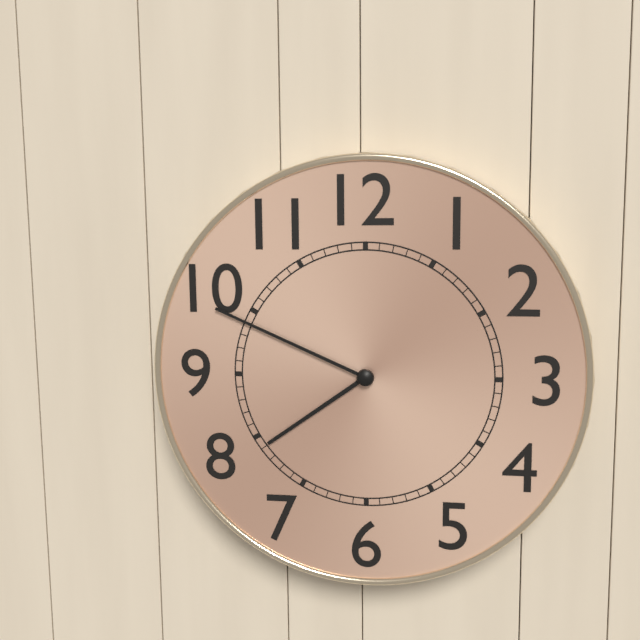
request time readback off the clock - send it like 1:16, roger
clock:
7:49
